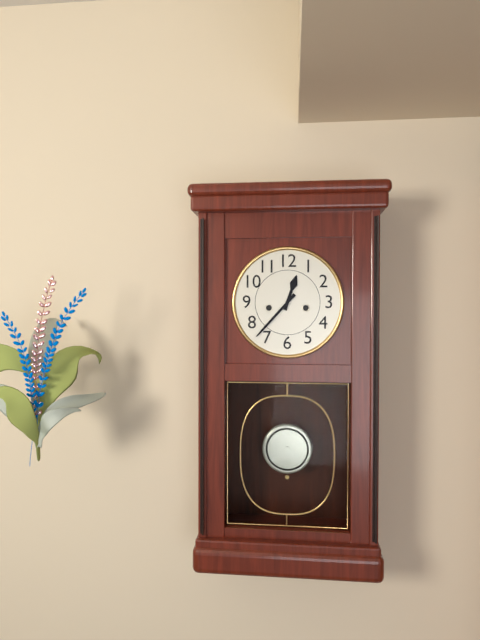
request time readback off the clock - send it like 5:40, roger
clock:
12:37
